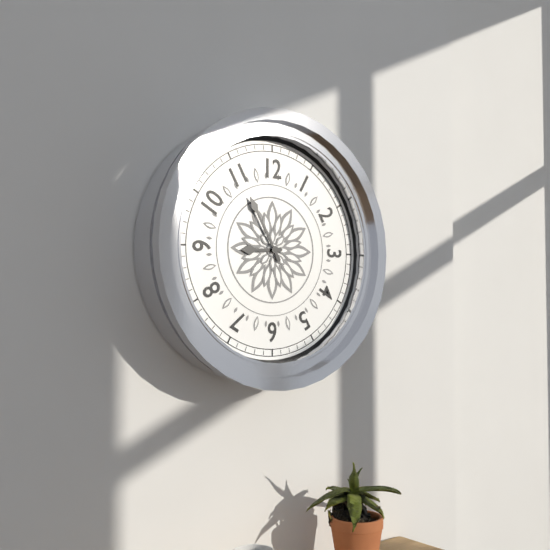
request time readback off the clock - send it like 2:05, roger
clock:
8:55
